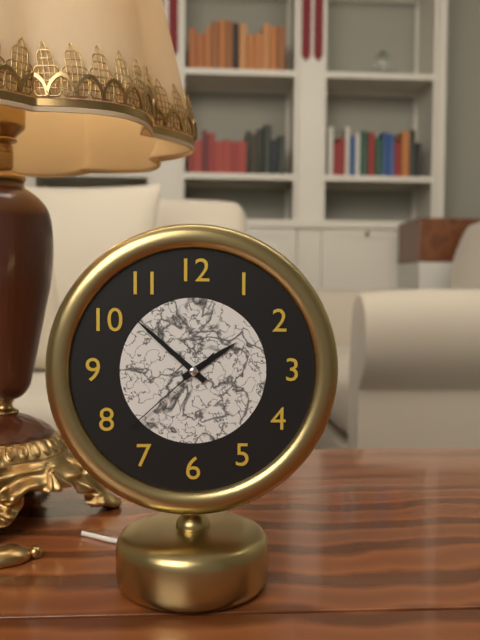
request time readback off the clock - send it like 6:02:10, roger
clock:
1:52:38
